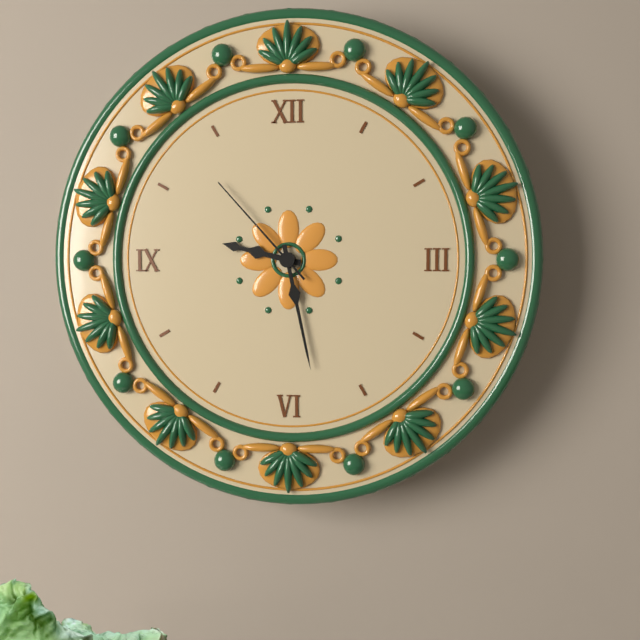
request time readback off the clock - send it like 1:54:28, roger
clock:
9:28:53
